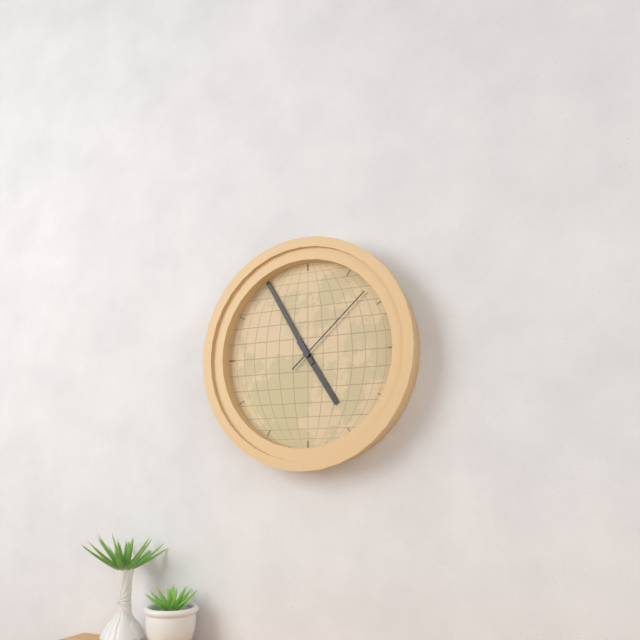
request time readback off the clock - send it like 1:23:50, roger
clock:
4:55:08
